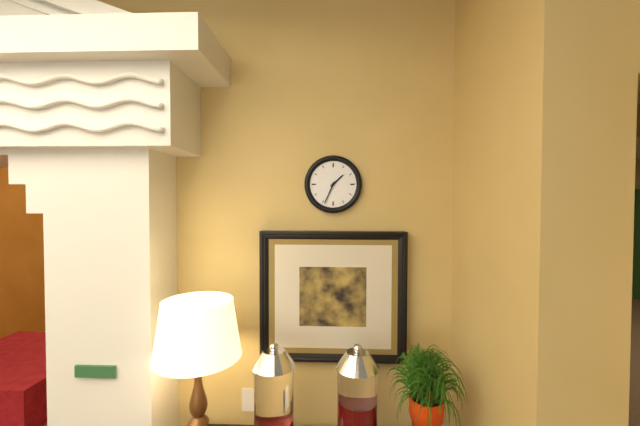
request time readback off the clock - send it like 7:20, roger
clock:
1:34
